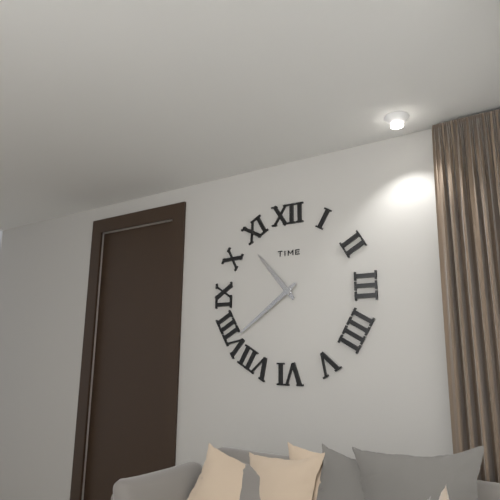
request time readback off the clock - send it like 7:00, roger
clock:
10:39
